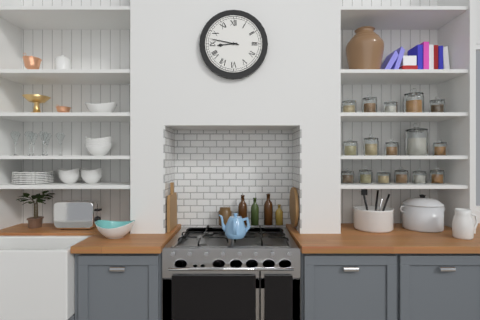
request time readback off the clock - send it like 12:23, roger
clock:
8:47
